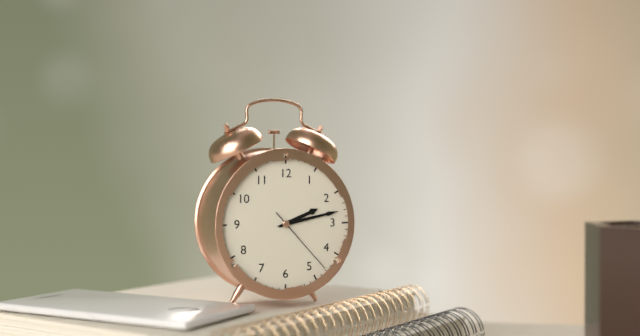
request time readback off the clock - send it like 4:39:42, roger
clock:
2:13:23
